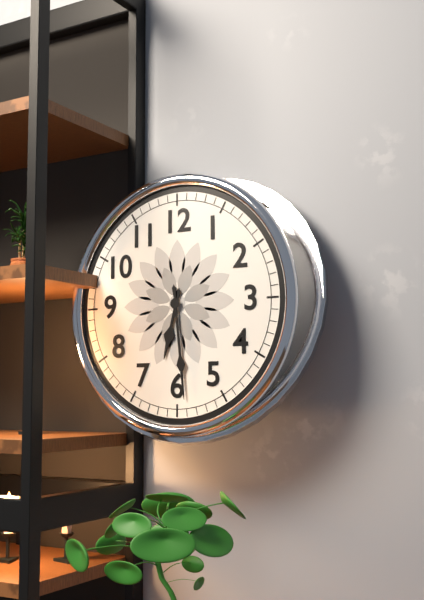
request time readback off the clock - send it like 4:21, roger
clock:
6:29
